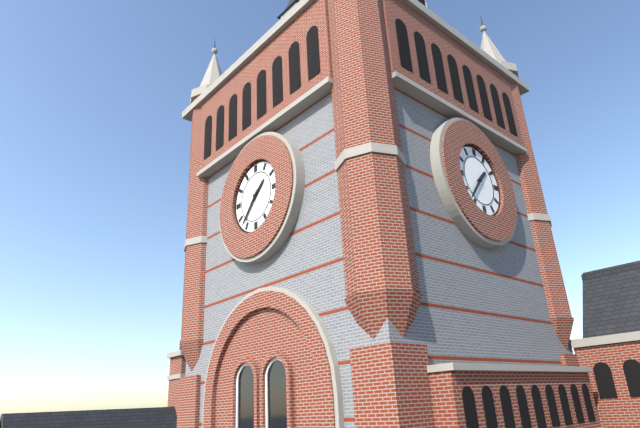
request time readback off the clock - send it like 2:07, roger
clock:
1:37
